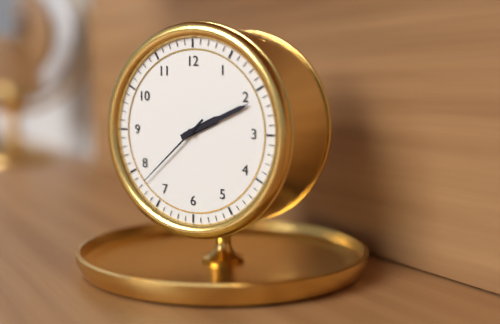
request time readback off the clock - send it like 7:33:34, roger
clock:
2:11:38
